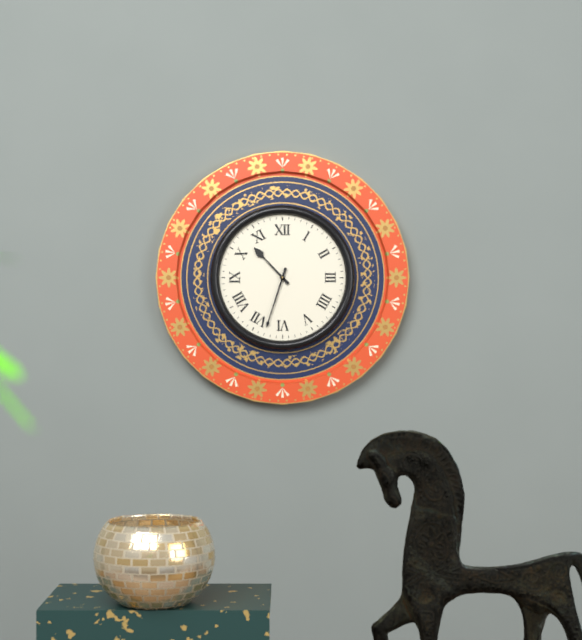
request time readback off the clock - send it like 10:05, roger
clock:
10:33
